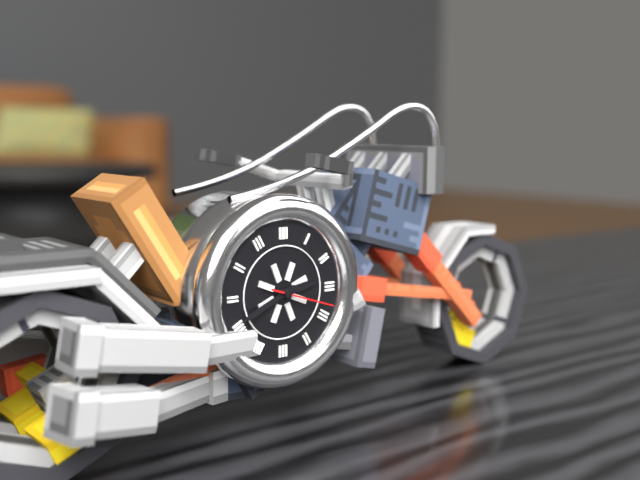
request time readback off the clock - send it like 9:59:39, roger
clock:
2:41:18
